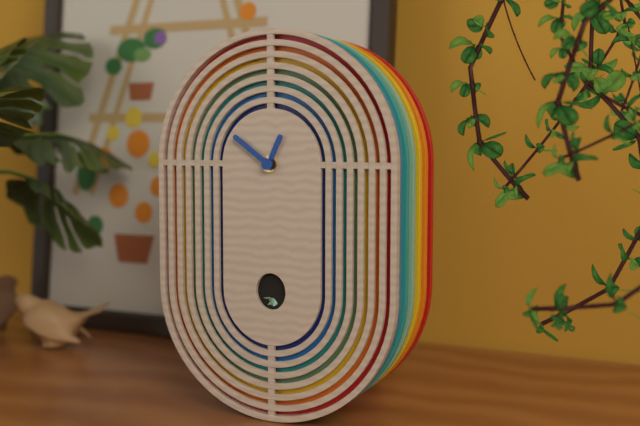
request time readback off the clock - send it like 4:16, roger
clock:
12:51
